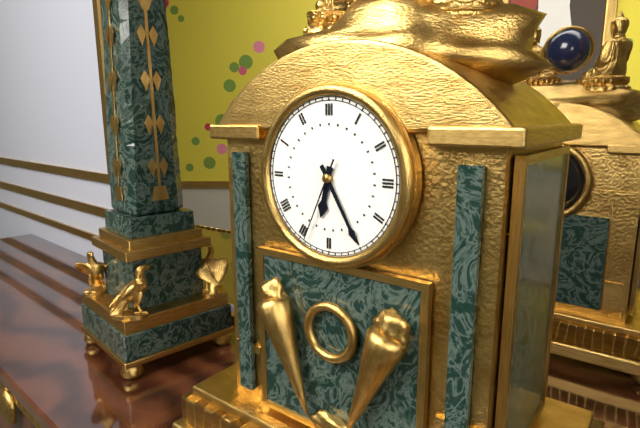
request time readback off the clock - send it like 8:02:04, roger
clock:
6:25:34
